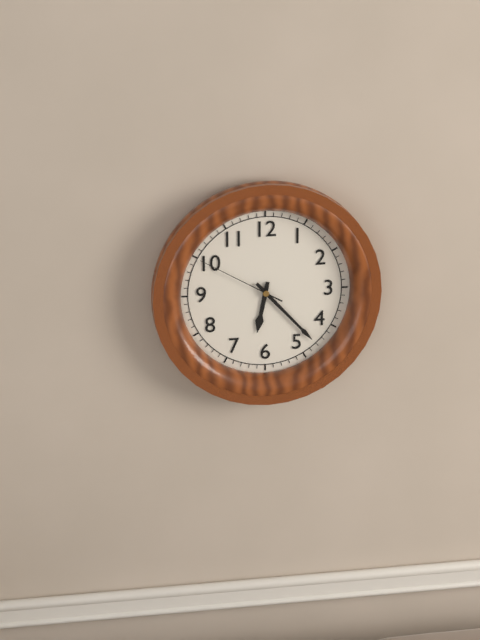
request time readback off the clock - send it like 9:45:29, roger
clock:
6:23:50
